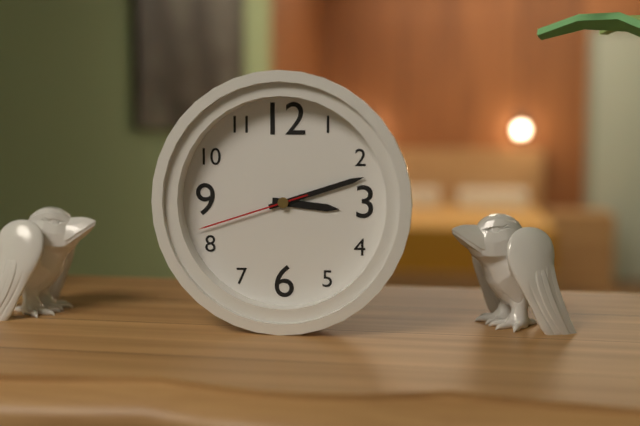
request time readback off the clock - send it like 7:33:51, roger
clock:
3:12:42
